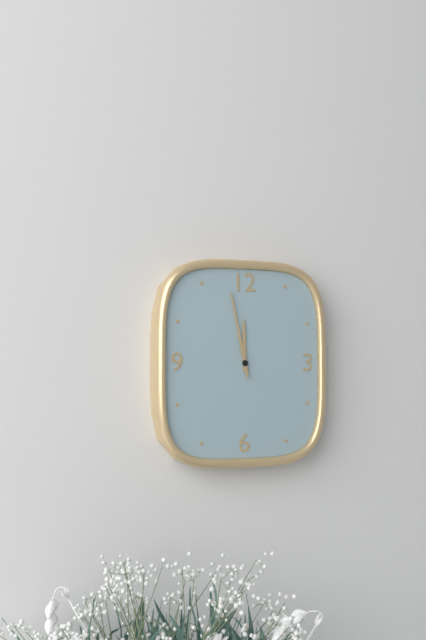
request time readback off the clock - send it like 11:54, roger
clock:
11:58
